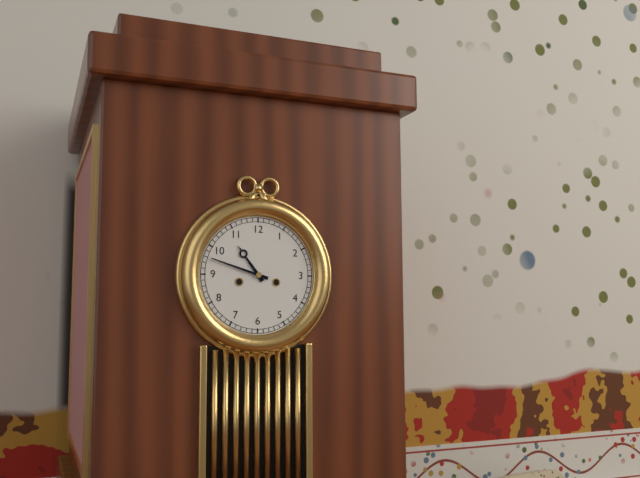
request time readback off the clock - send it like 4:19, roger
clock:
10:48
